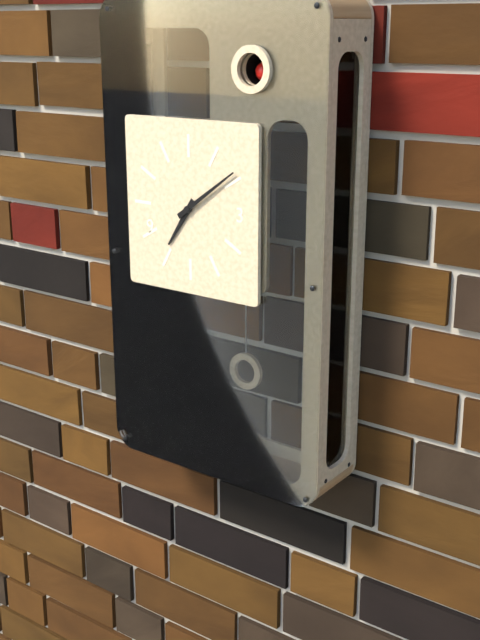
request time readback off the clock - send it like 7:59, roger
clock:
7:09
